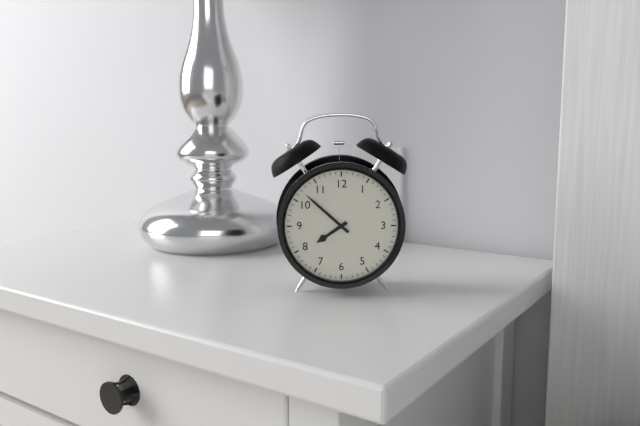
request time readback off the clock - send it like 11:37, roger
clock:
7:52
